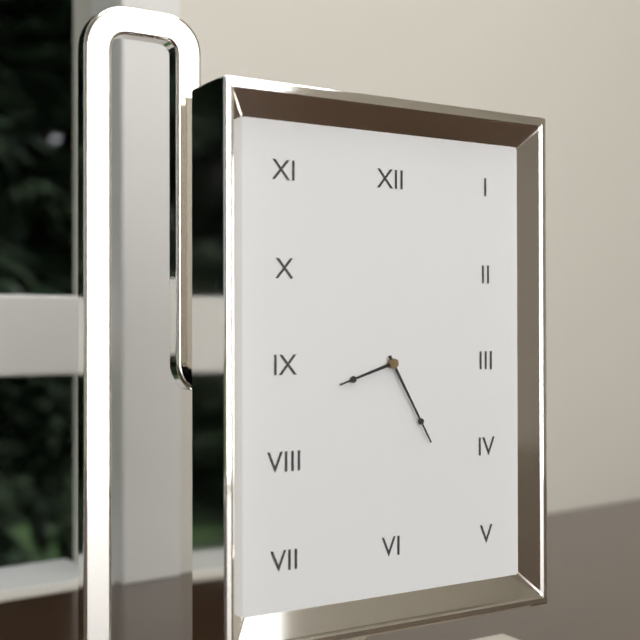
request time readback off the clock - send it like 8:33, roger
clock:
8:25
